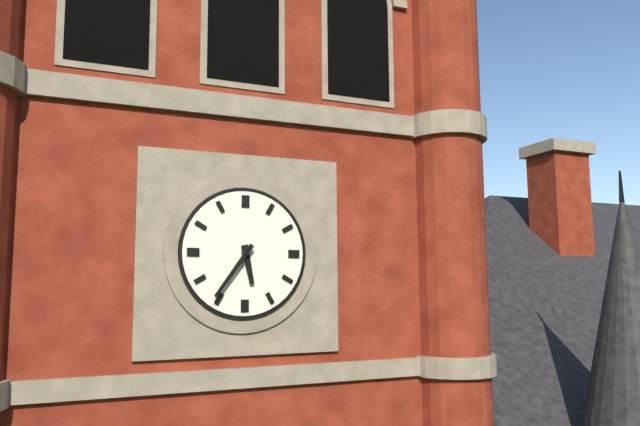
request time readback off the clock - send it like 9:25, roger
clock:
5:36
